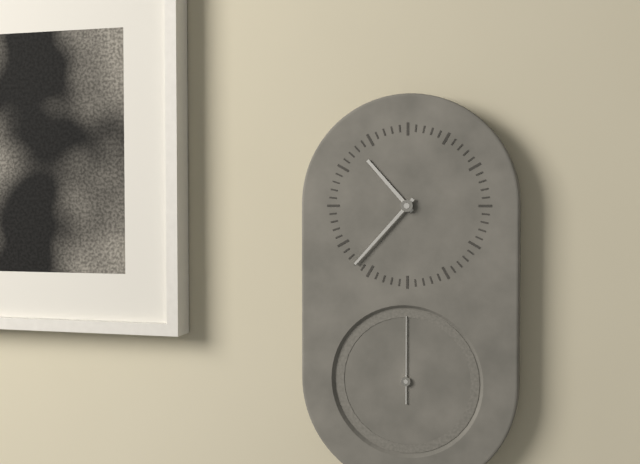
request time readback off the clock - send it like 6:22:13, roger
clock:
10:37:00
